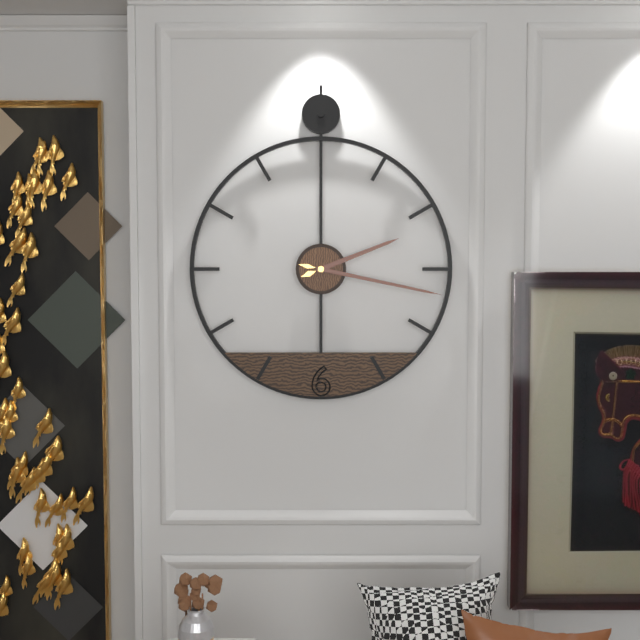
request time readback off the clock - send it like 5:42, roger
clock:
2:17
